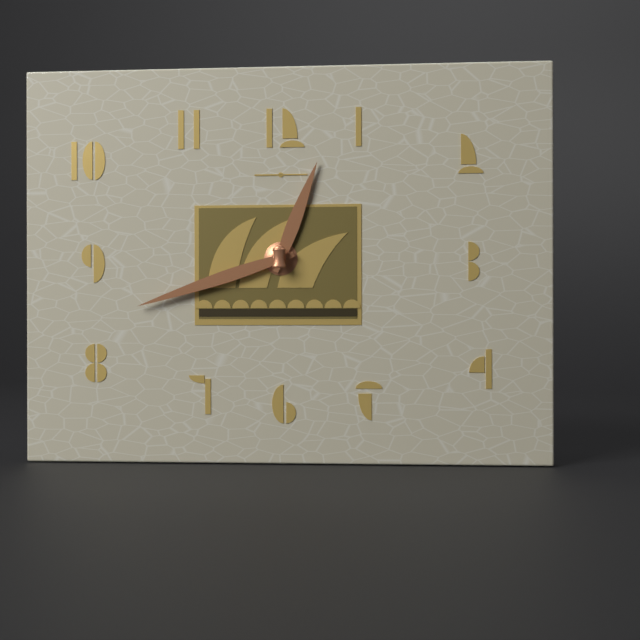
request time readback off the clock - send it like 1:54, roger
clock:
12:42
